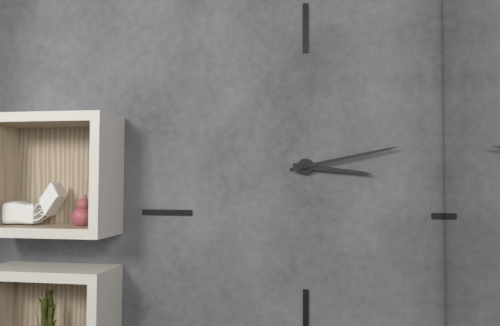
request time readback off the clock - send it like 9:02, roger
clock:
3:13
